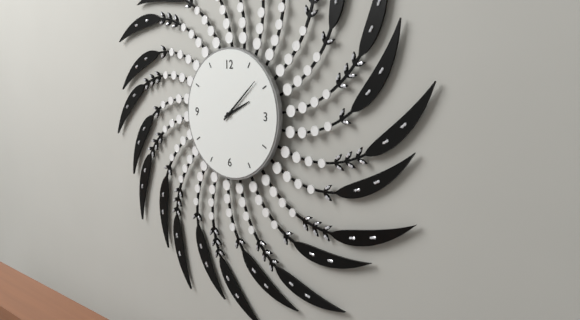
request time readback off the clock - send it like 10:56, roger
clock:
2:08
